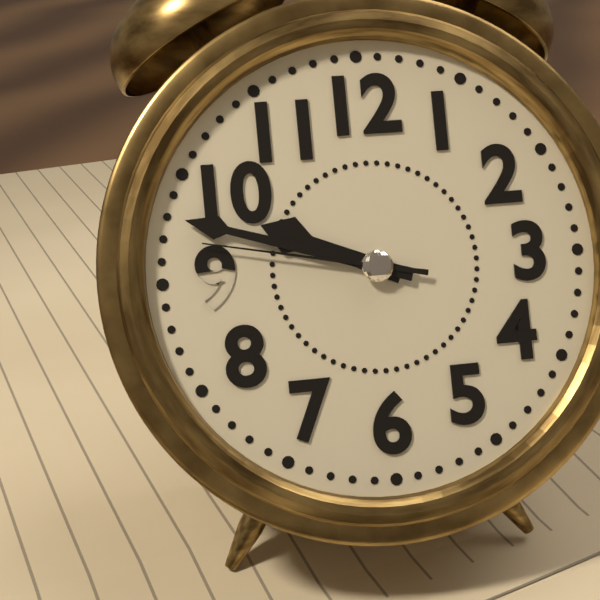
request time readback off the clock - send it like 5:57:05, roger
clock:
9:48:47
